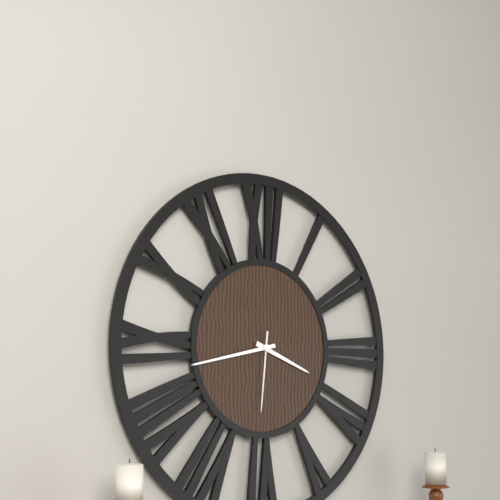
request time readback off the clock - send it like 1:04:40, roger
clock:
3:43:31
